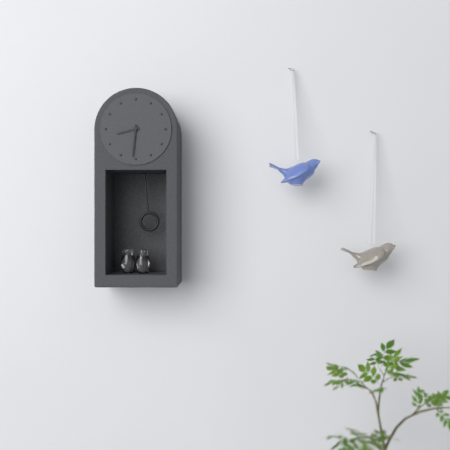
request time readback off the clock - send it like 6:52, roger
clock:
8:31
